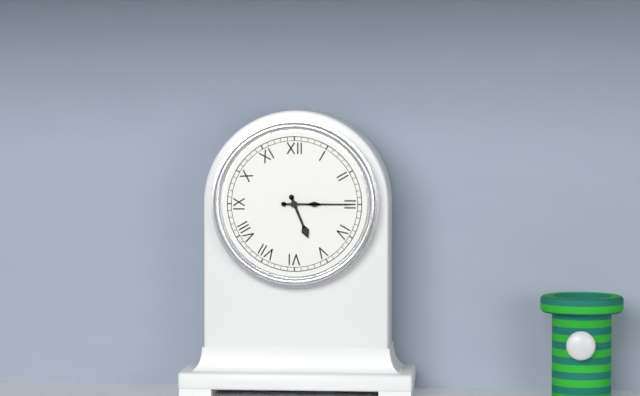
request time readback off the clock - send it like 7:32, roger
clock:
5:15
